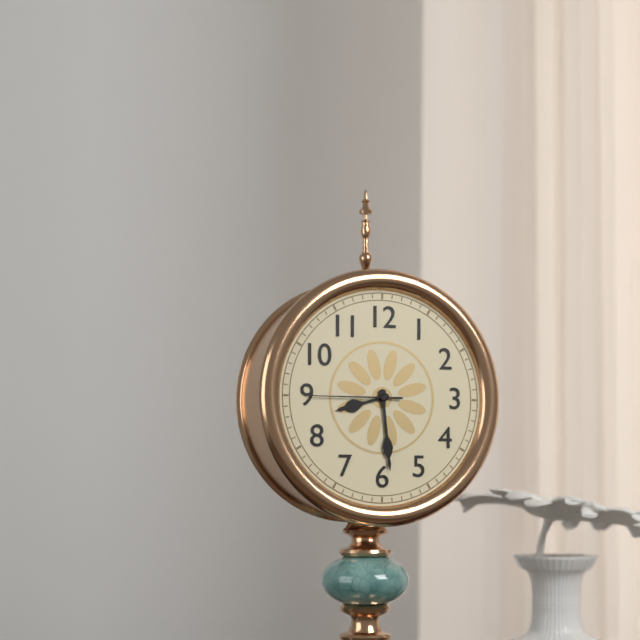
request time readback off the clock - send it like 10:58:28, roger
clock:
8:29:45
